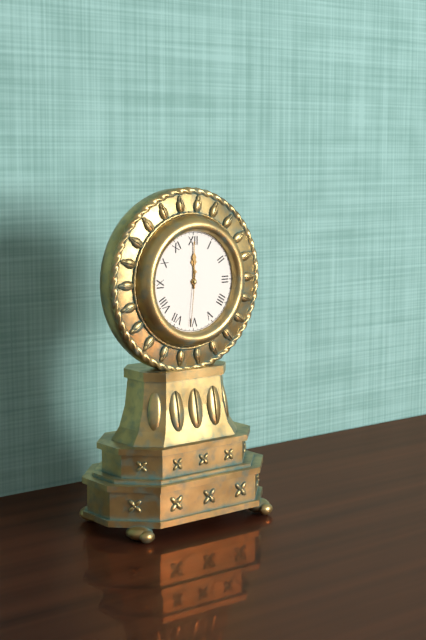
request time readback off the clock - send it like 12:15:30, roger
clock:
12:00:31
